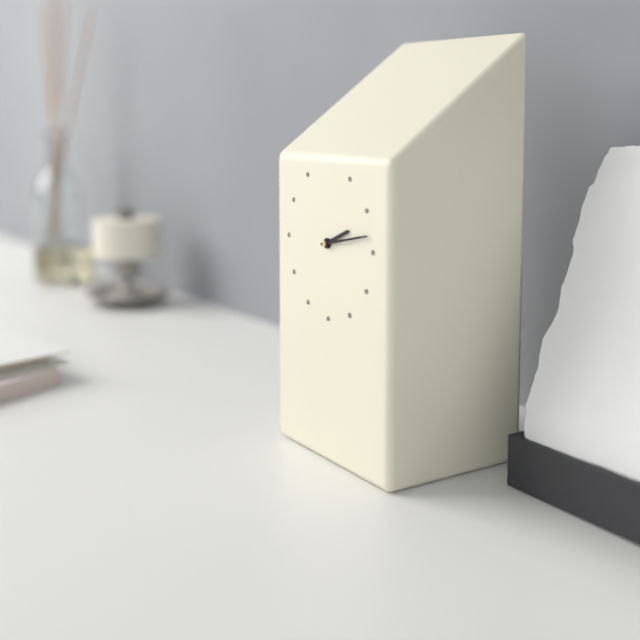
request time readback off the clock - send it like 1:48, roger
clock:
2:13
